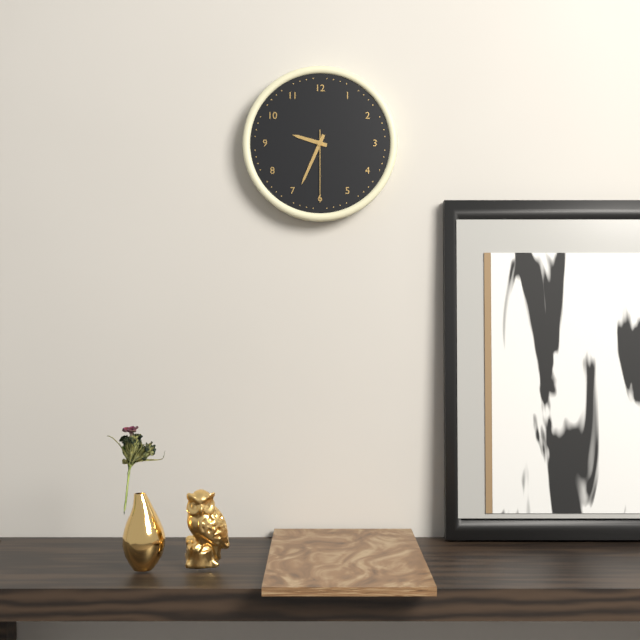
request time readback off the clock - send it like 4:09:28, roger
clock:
9:34:30
